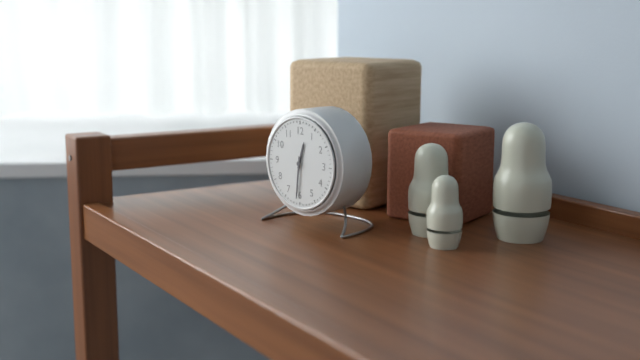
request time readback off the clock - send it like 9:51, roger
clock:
12:31
